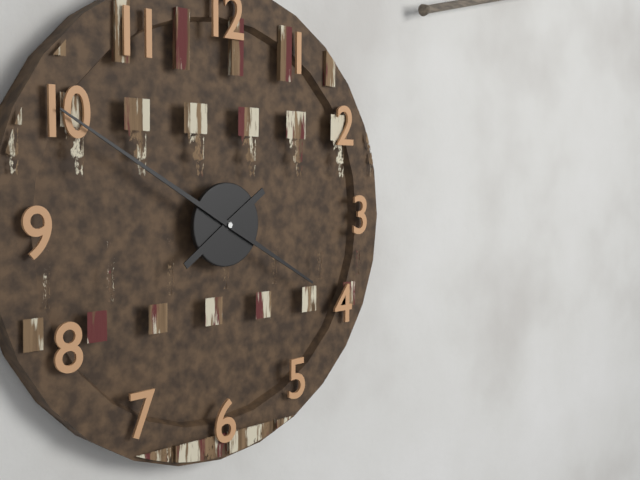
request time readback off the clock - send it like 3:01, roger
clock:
7:50
